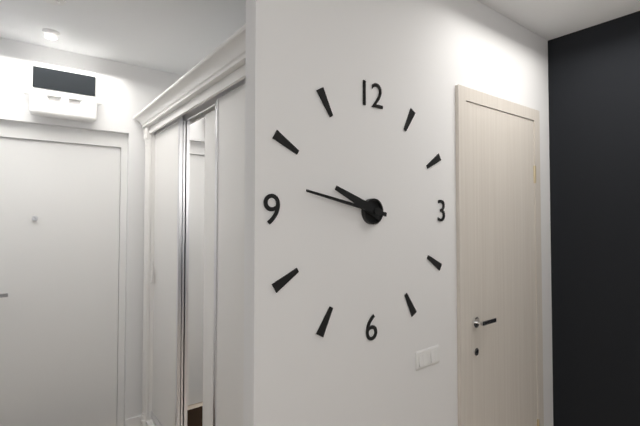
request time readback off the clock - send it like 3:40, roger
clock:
9:47
